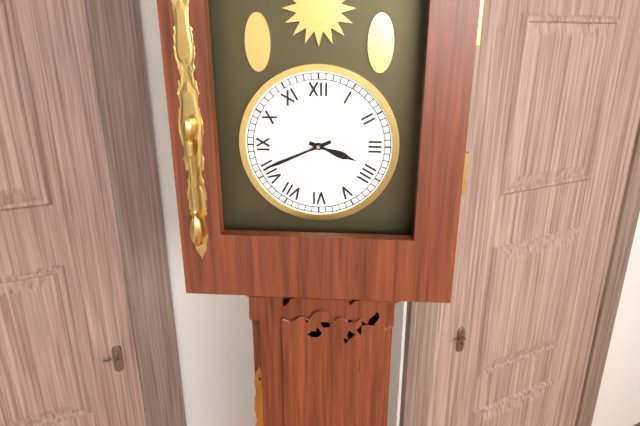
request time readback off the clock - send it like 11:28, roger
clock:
3:41
